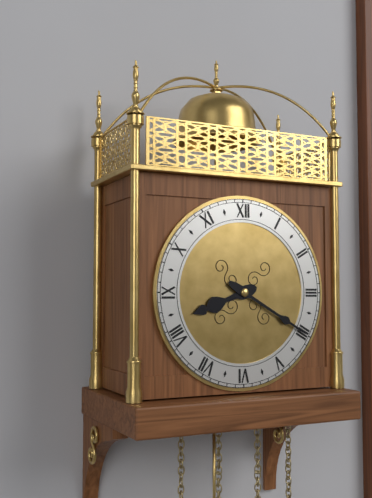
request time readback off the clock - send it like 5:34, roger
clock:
8:20
